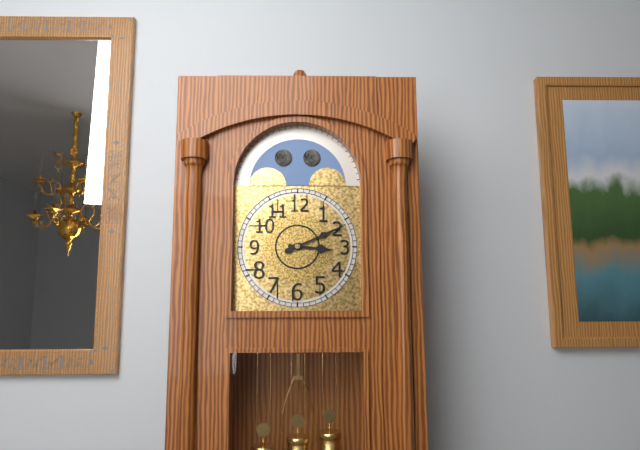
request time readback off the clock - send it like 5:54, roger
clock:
3:11
